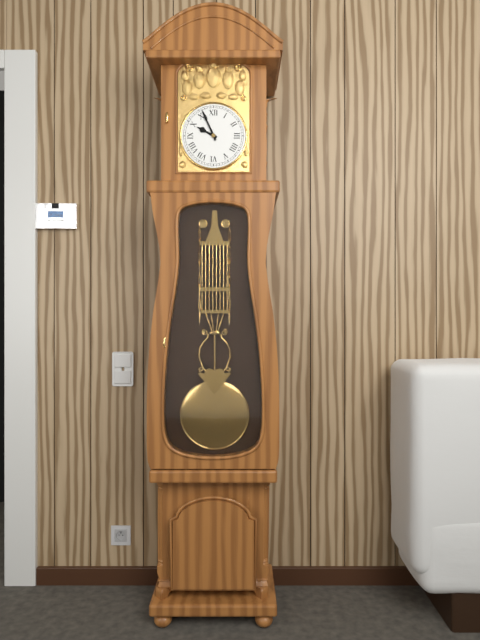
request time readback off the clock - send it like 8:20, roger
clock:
9:56
